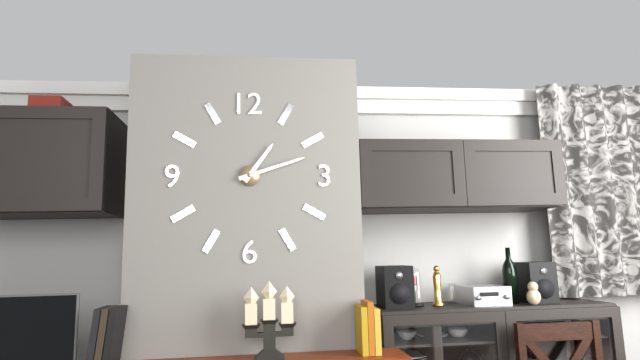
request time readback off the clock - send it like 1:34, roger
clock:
1:12
